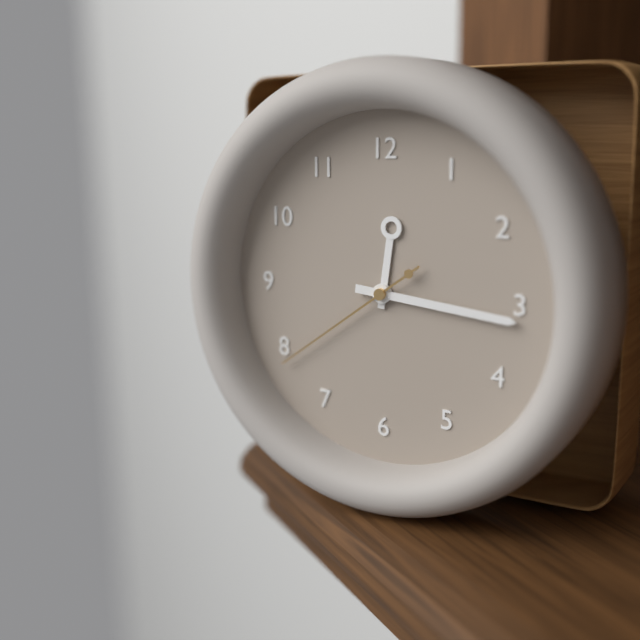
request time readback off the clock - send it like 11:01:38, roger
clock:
12:16:39
